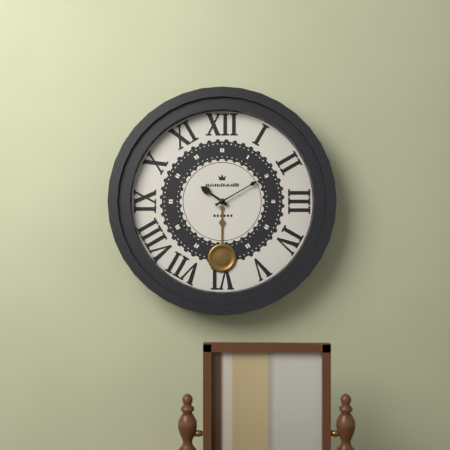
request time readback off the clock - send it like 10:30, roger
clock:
10:10
